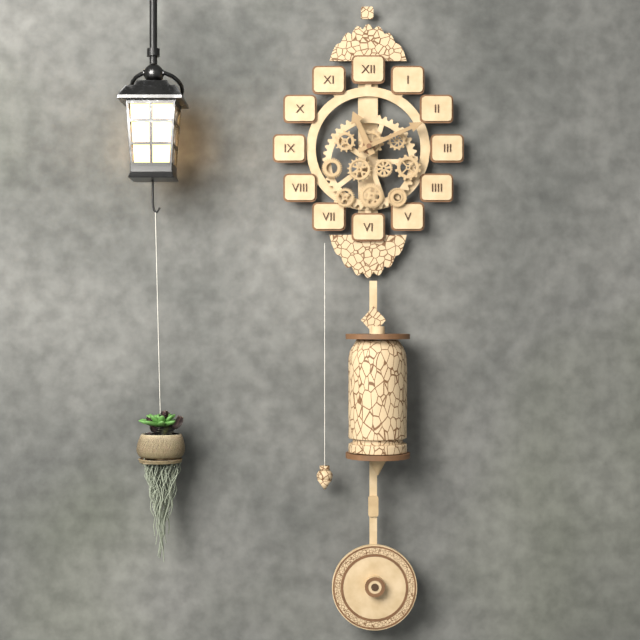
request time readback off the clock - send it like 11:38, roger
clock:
11:11
